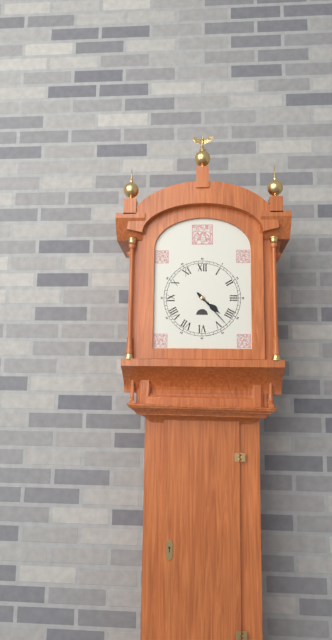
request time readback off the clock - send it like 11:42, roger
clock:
4:23
